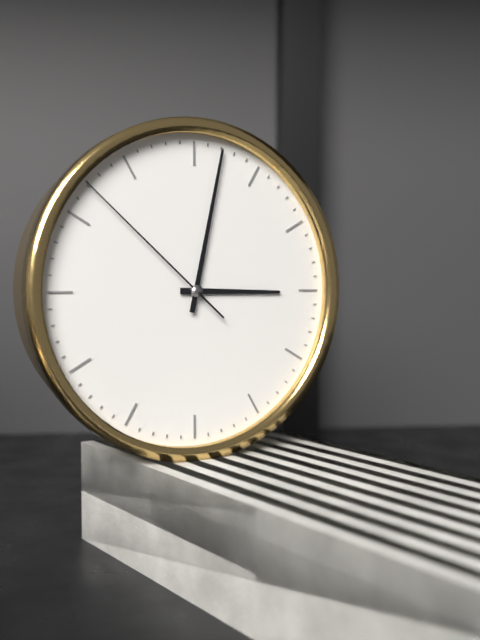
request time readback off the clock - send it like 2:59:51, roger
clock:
3:02:52
